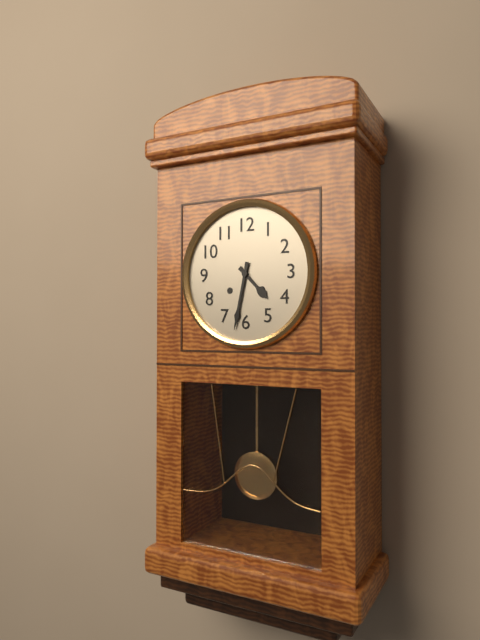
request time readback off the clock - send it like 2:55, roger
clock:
4:32
